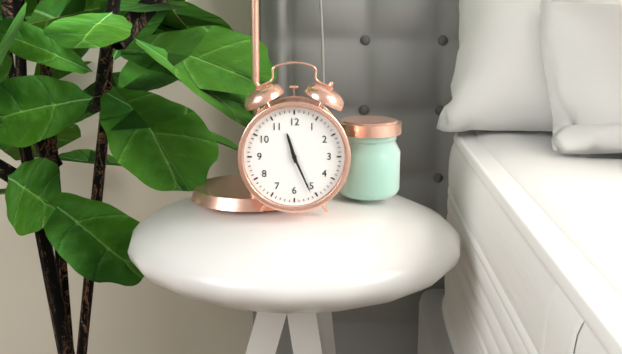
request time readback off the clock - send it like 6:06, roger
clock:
11:26
